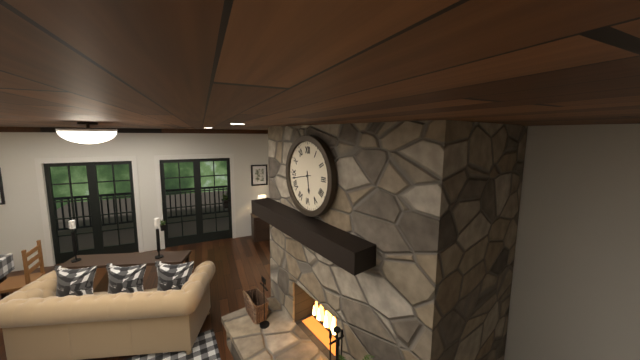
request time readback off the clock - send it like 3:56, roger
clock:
5:43
